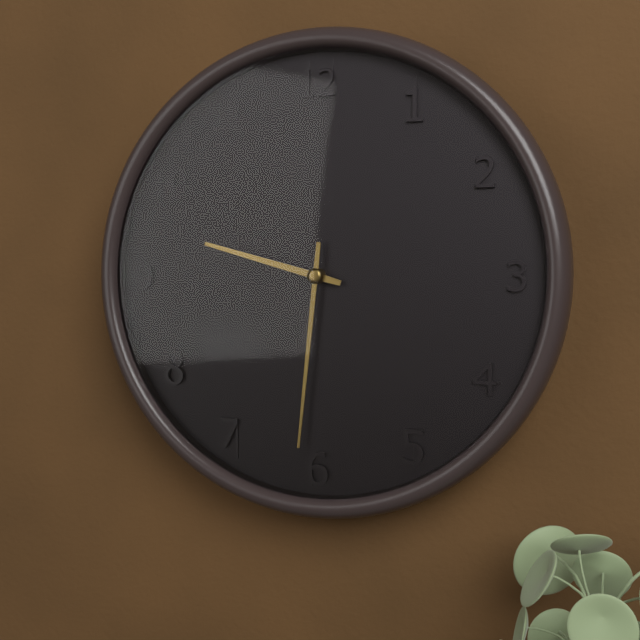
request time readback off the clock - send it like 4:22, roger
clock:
9:31
